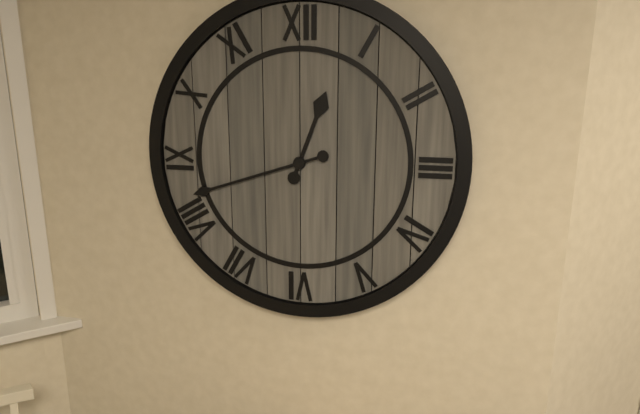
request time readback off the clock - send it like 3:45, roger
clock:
12:42
